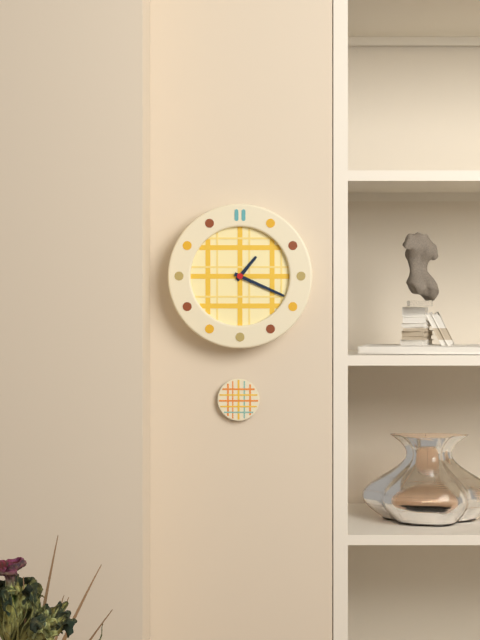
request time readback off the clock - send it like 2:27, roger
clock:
1:19
